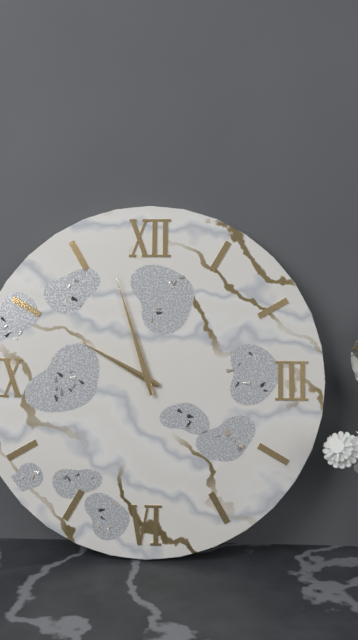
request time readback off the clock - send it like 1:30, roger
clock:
9:57
